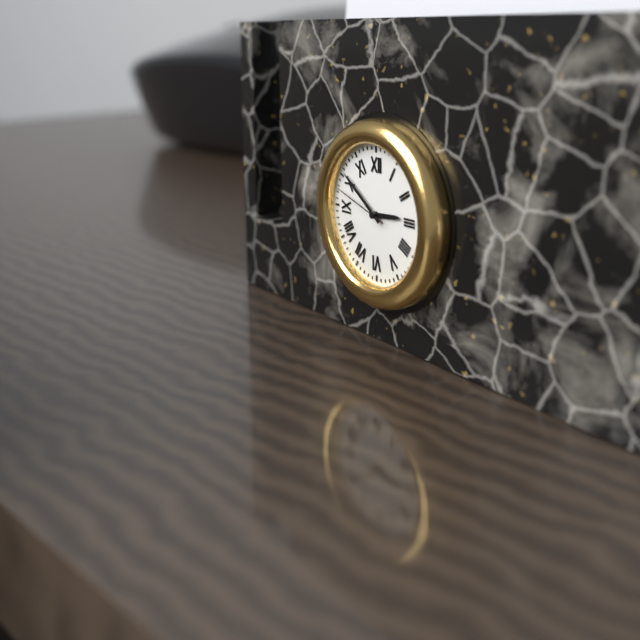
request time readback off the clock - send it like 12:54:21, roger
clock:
2:51:48
